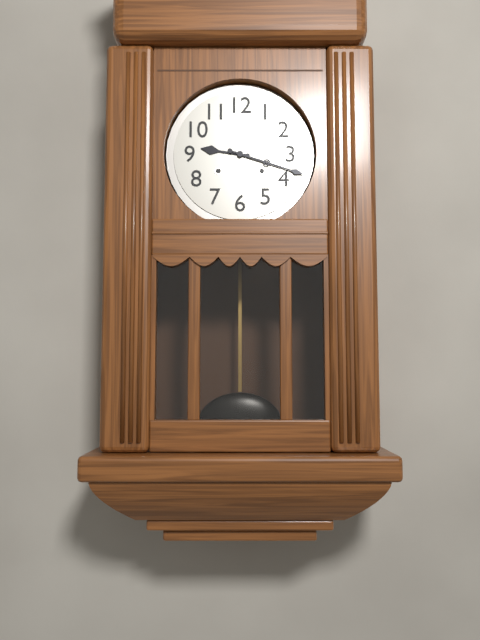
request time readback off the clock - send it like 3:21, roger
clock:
9:18
